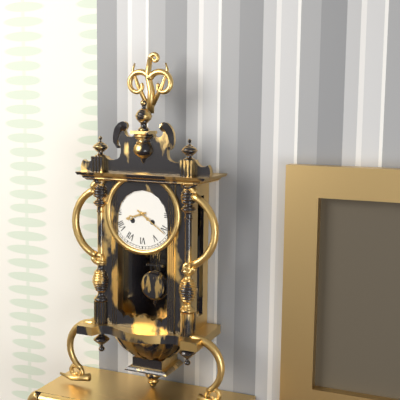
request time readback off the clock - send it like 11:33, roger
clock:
8:21
